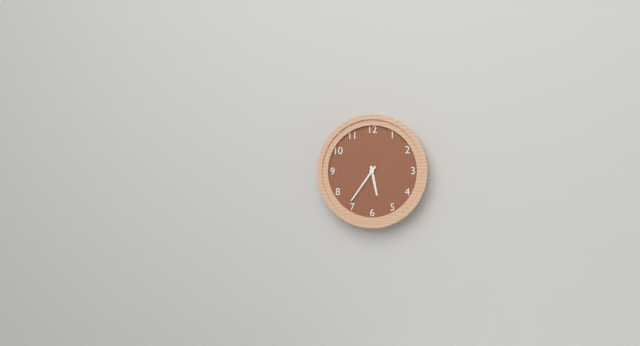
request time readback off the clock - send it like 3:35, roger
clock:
5:36
